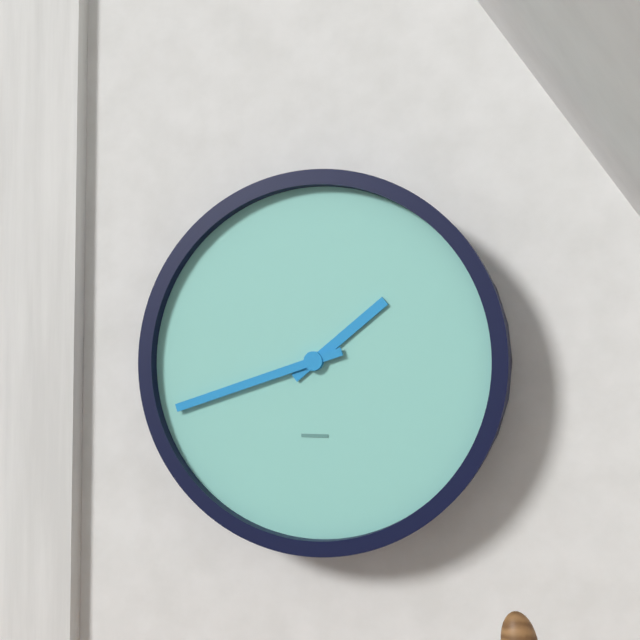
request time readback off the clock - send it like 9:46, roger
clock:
1:42
